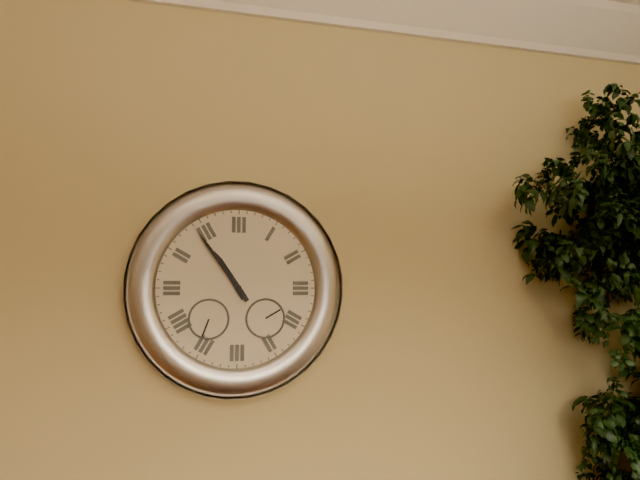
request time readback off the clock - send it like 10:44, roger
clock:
10:54
